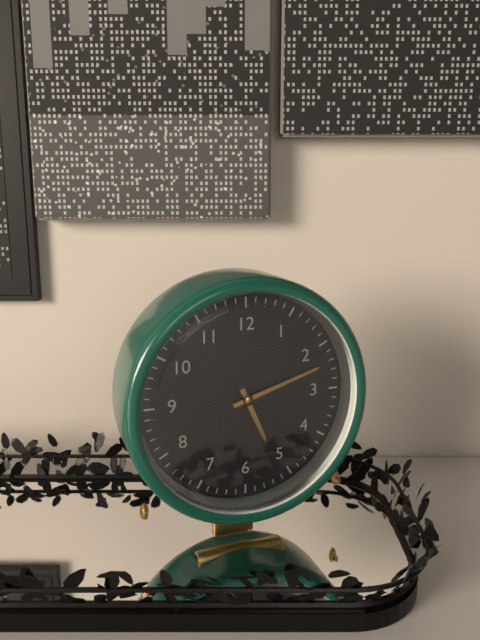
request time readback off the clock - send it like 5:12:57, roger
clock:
5:12:22
